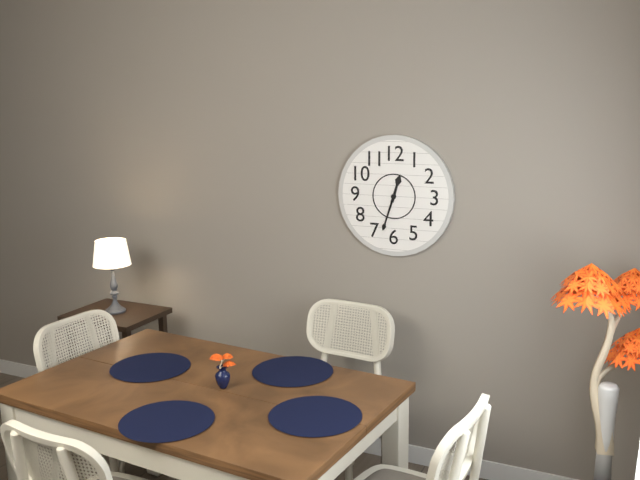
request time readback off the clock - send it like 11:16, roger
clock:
12:33
